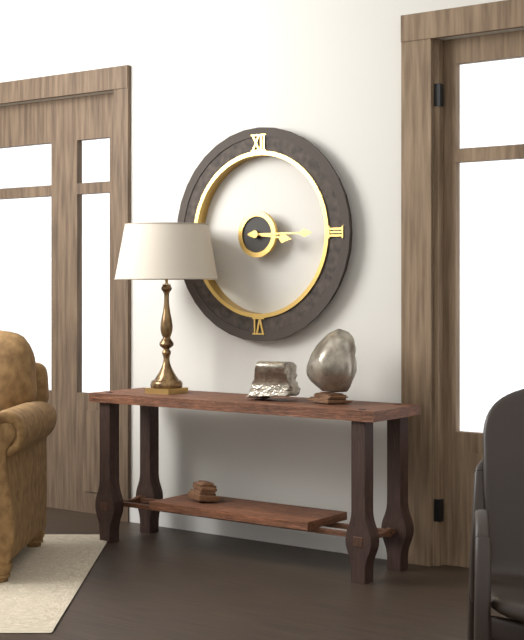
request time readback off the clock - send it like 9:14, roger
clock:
3:15
